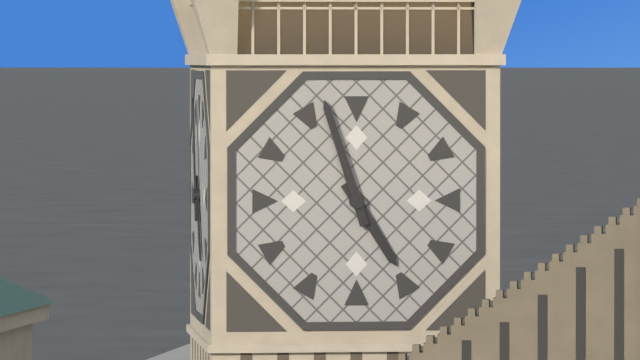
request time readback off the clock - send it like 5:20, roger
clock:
4:57
